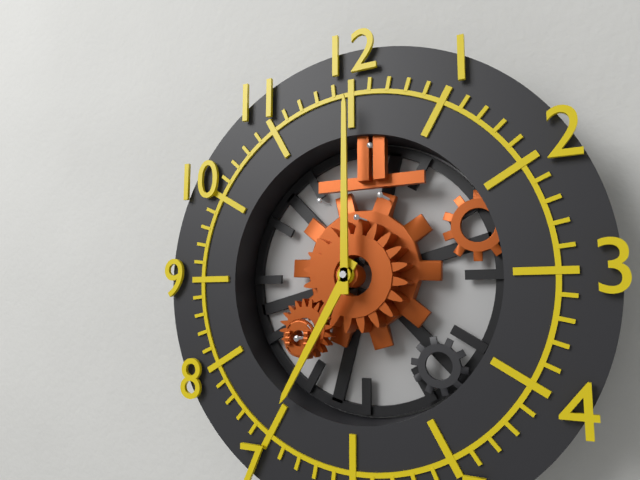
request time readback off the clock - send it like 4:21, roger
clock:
7:00
